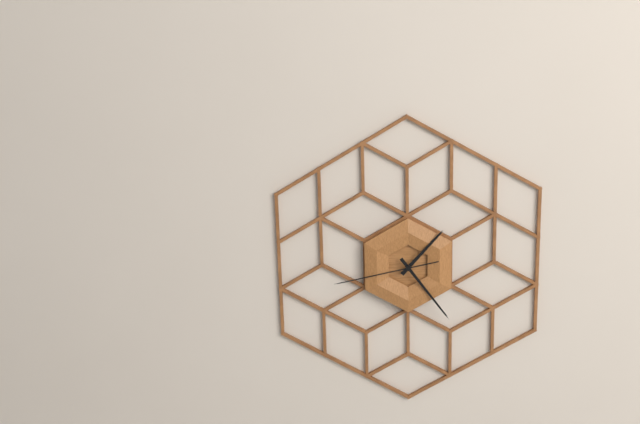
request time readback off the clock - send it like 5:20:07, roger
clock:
1:24:43
